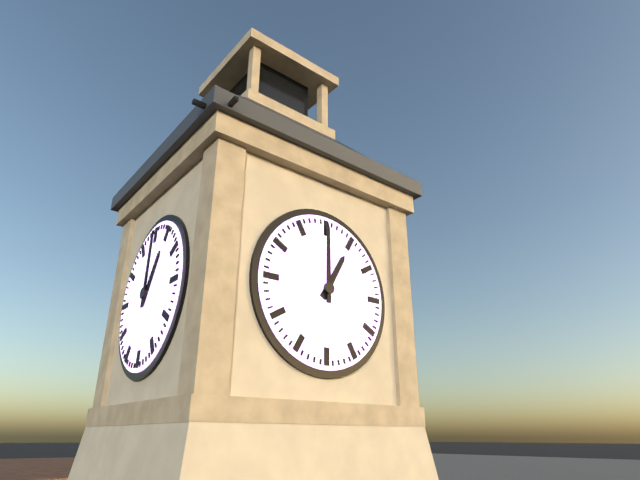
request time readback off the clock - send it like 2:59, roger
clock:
1:00
